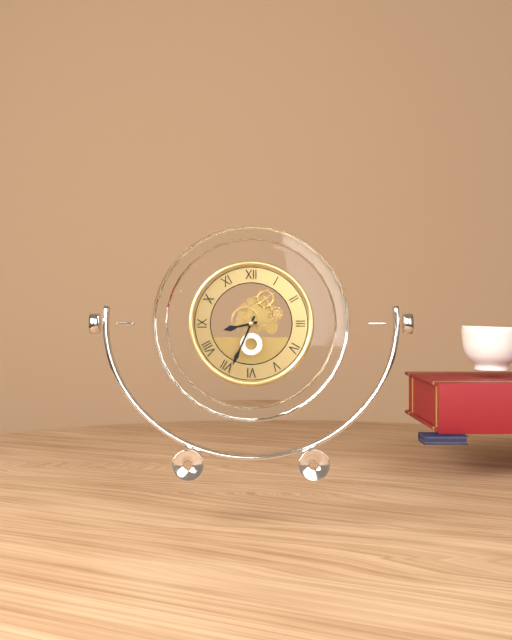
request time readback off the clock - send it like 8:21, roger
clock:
8:34
